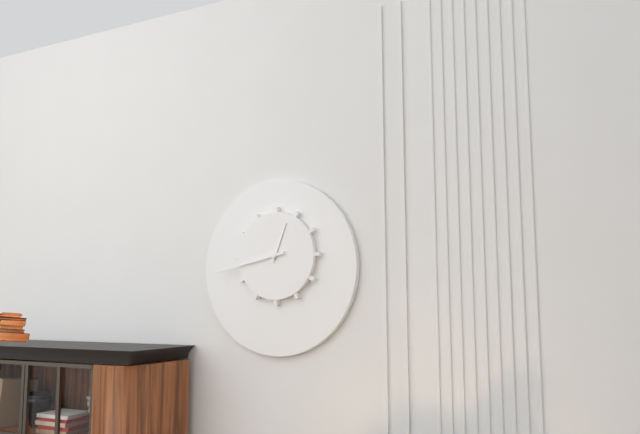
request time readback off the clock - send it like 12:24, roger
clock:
12:43
